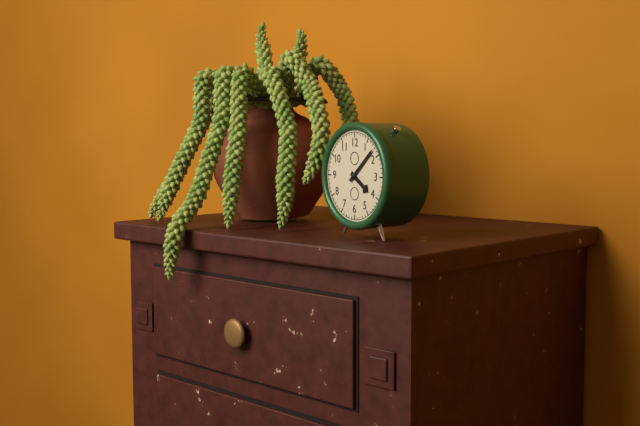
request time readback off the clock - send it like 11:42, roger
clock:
4:08
